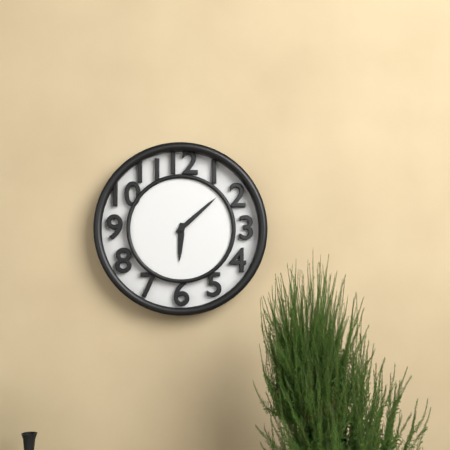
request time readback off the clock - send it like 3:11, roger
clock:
6:08
